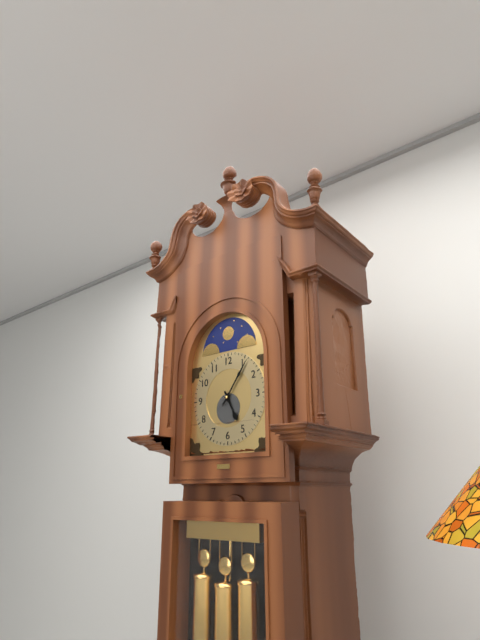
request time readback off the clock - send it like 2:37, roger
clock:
5:06
